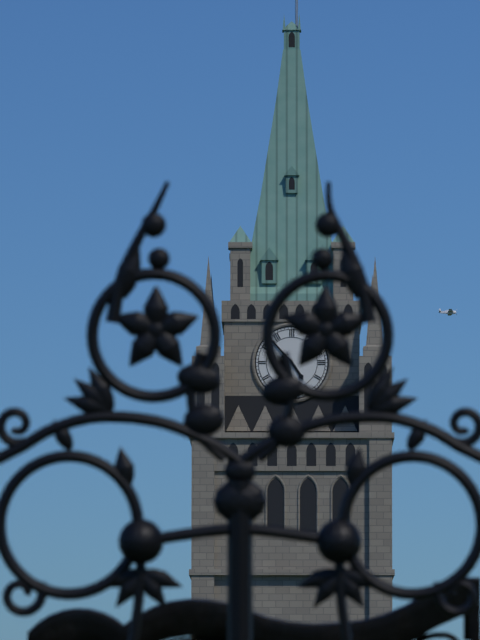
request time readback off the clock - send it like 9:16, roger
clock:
4:53
